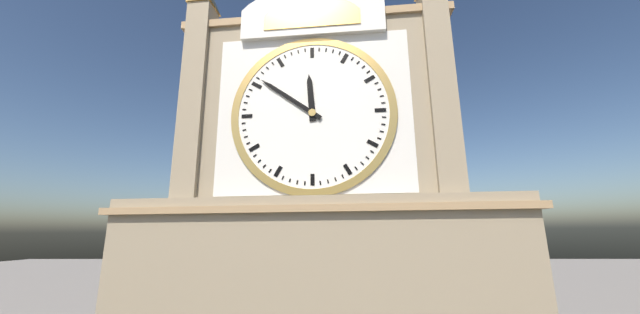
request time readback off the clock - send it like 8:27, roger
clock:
11:51
